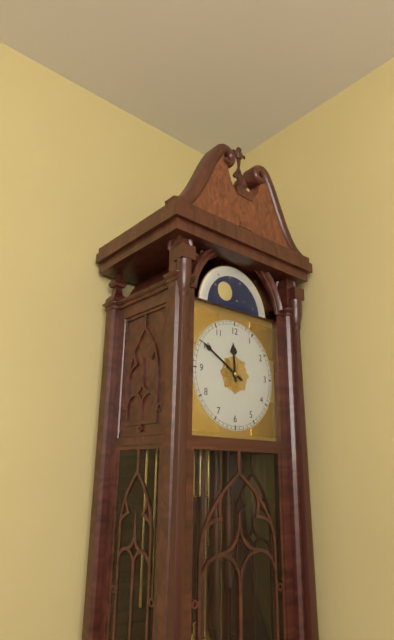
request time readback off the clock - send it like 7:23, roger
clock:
11:50
